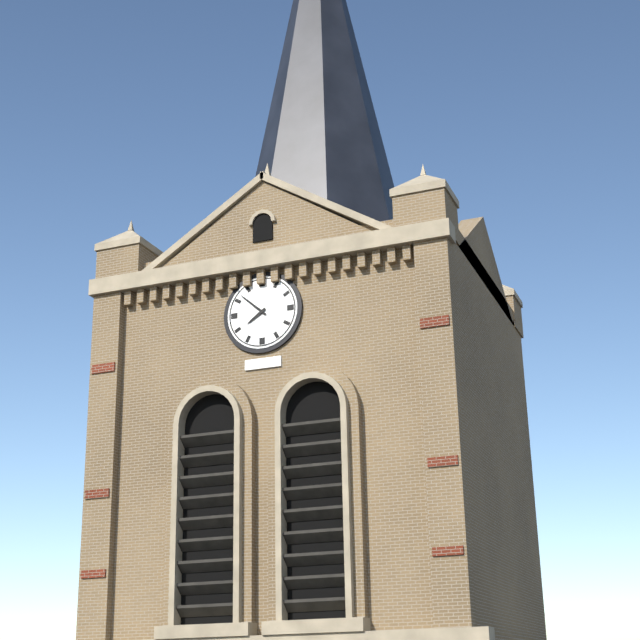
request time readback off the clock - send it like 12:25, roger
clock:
7:52
